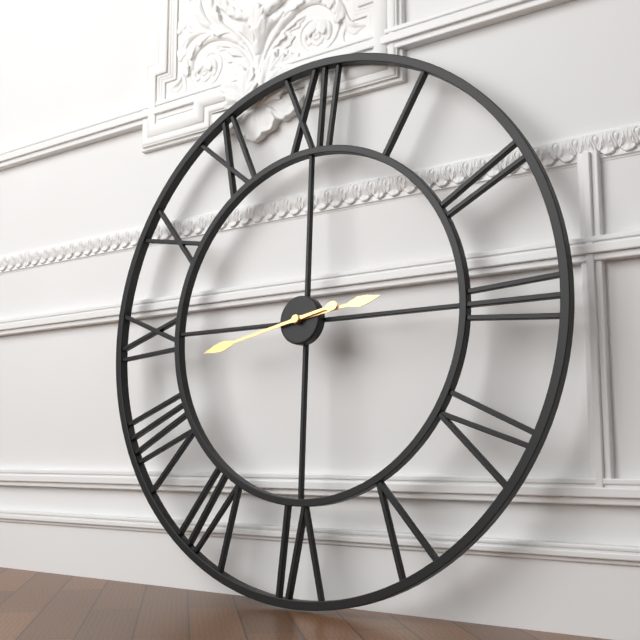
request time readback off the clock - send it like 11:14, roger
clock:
2:43
